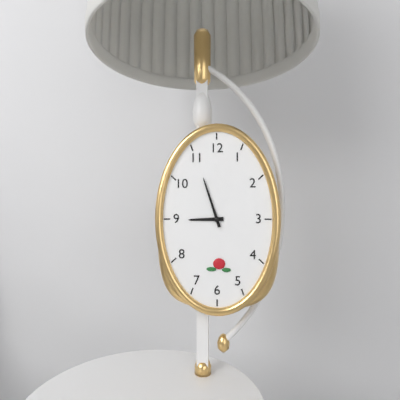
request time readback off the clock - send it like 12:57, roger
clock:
8:57
